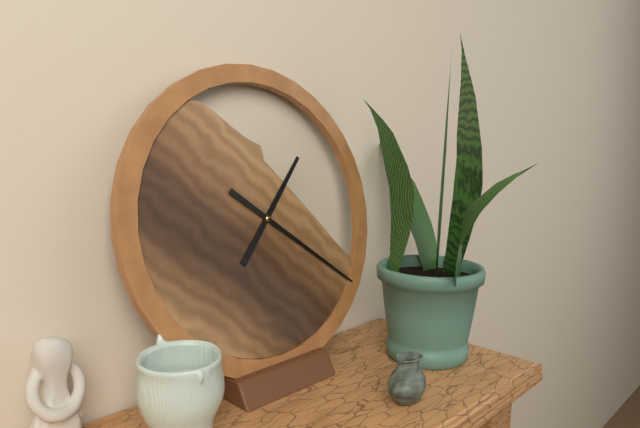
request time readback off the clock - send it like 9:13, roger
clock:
1:21
